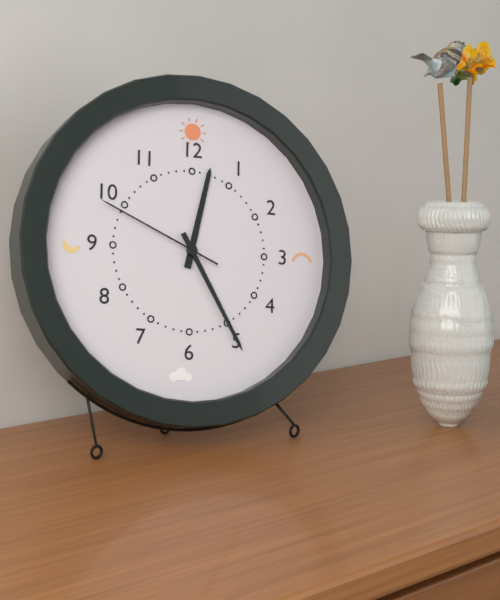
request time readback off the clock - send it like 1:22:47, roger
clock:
12:25:49
